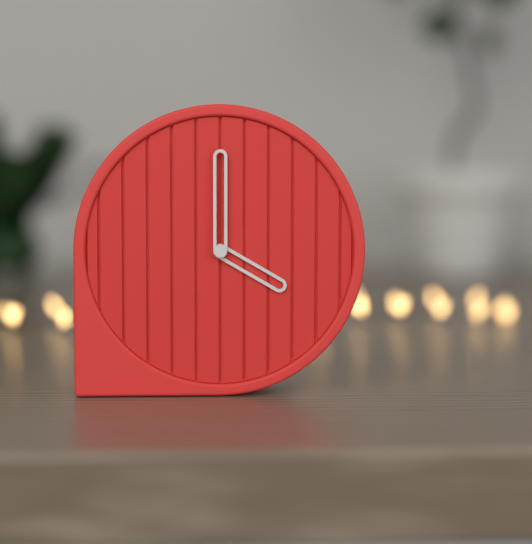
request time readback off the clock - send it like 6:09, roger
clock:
4:00
